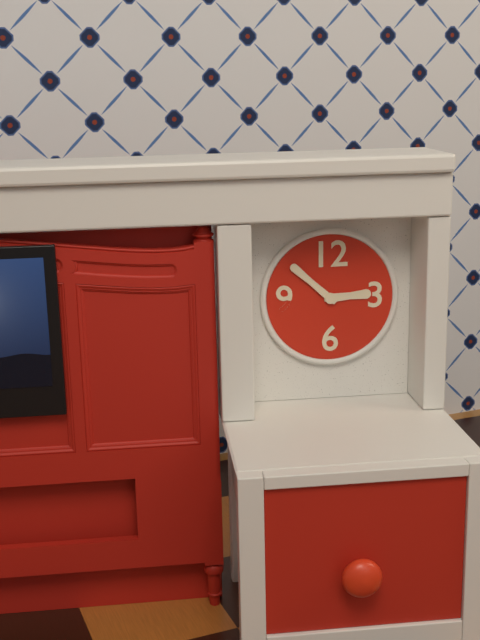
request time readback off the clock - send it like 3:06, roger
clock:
2:52
